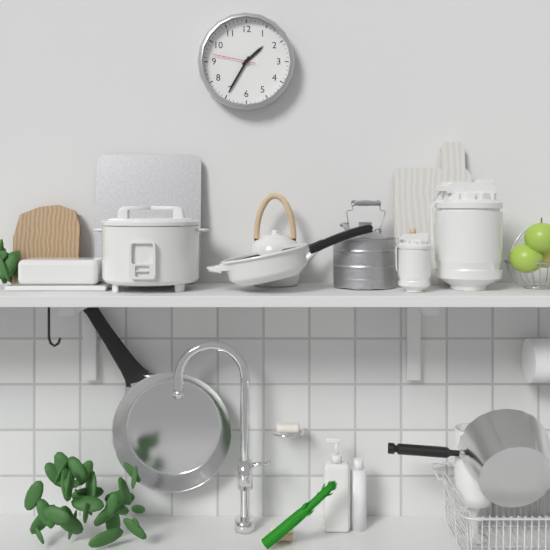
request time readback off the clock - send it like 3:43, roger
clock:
1:35
